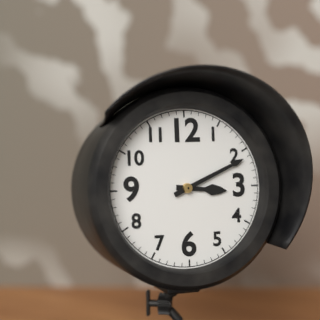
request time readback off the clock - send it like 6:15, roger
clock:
3:11
